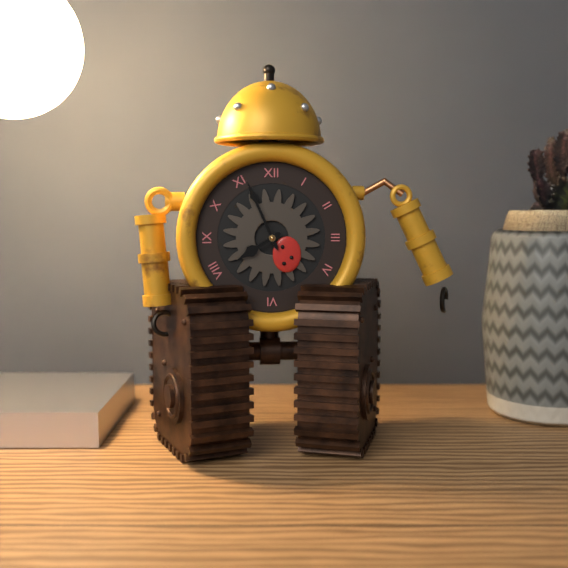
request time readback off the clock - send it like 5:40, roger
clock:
7:56
